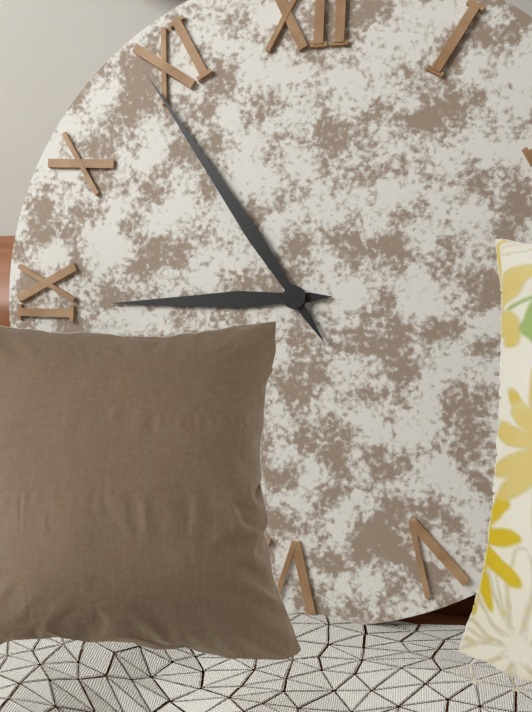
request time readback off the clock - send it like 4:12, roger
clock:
8:54
